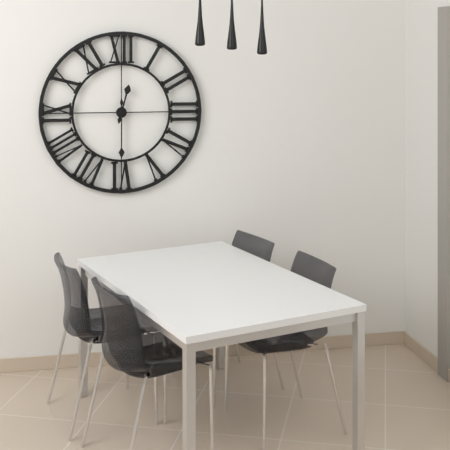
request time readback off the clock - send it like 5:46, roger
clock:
12:30
